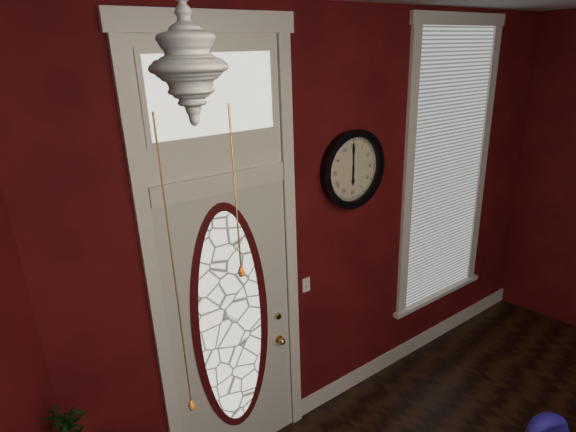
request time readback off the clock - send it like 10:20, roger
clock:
6:00
